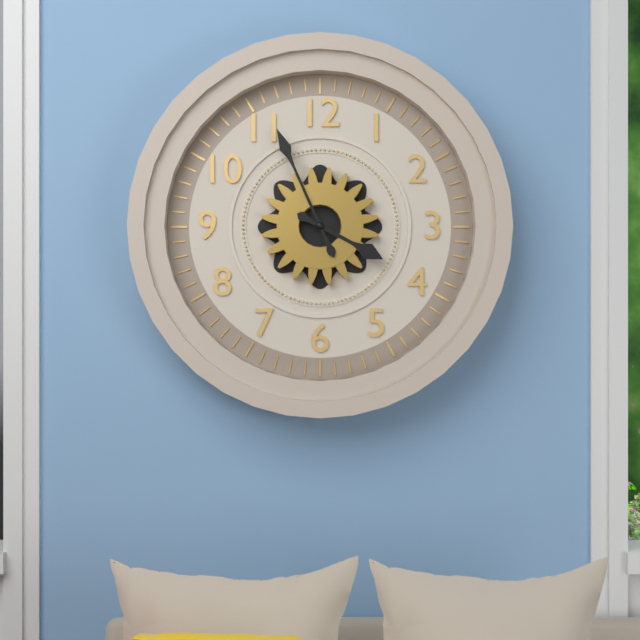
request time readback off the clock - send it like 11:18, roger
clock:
3:56
